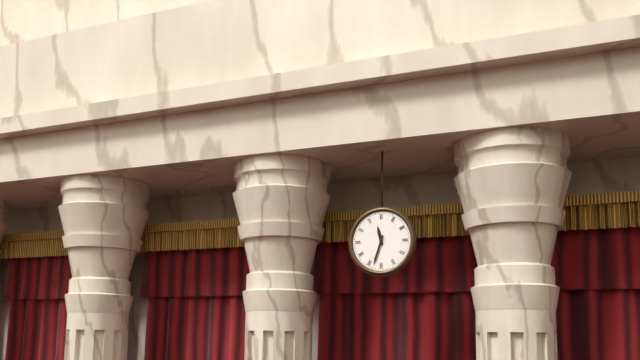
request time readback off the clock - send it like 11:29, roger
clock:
11:33
